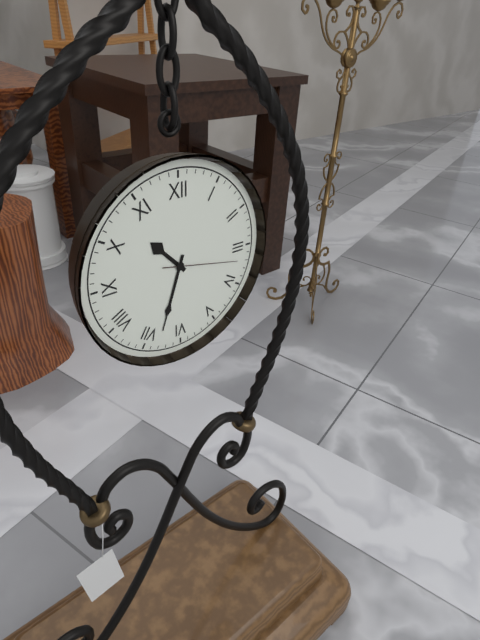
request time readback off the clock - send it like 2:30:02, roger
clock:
10:33:17
